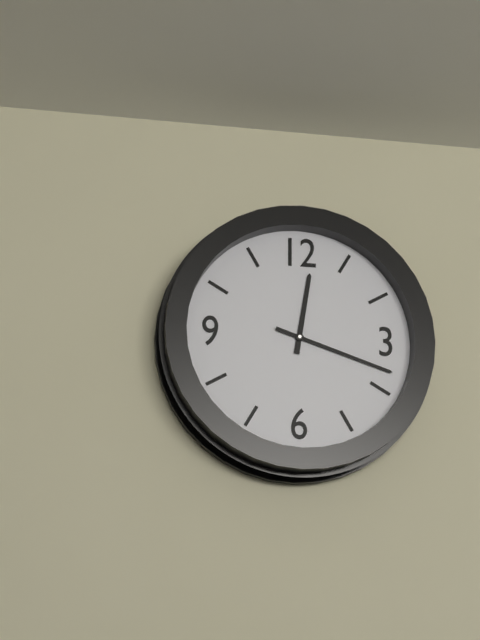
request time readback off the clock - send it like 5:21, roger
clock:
12:18
